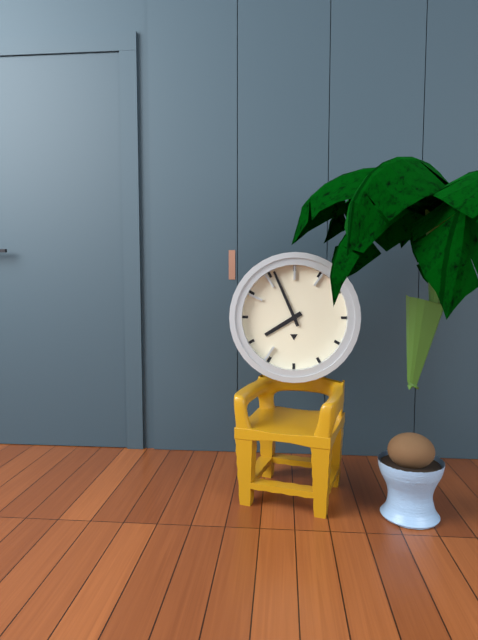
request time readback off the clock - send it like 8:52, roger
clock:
7:56
